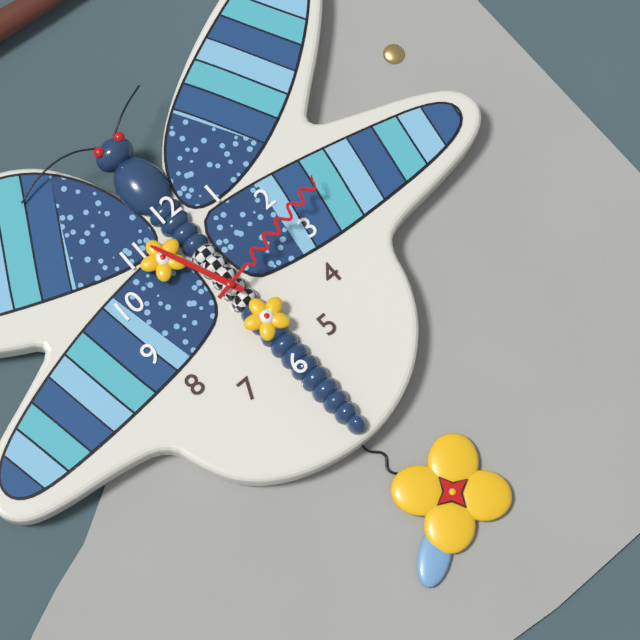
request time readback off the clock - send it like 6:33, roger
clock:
11:13
